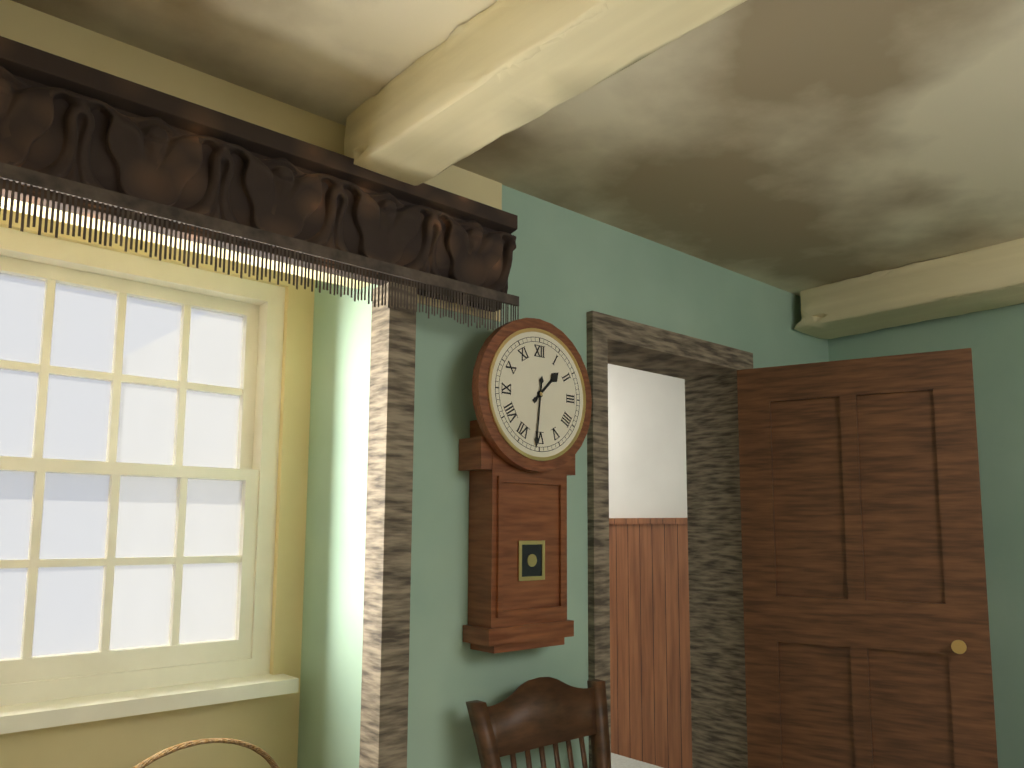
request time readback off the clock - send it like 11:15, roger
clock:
1:31
